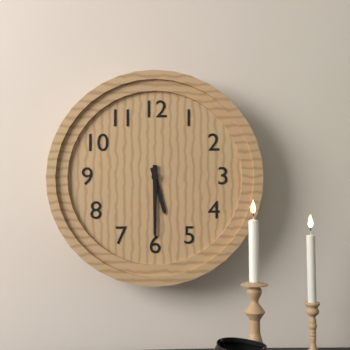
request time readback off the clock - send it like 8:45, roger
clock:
5:30
